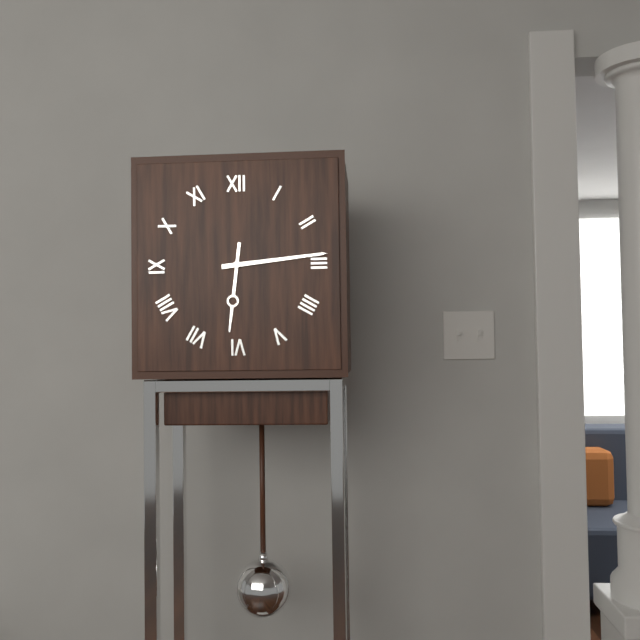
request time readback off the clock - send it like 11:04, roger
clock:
6:14
